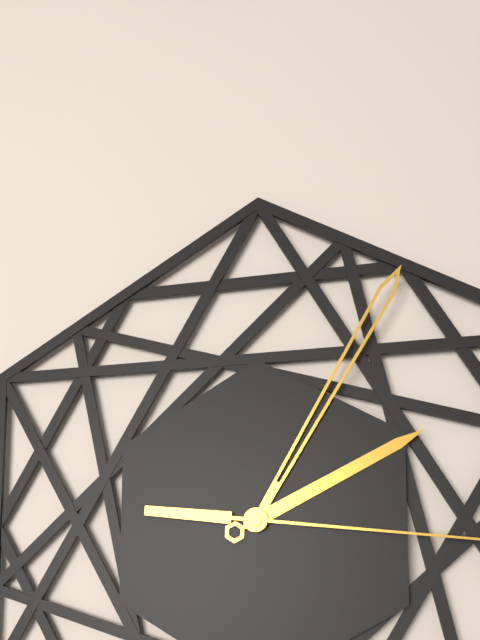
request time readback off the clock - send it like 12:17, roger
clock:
2:05
